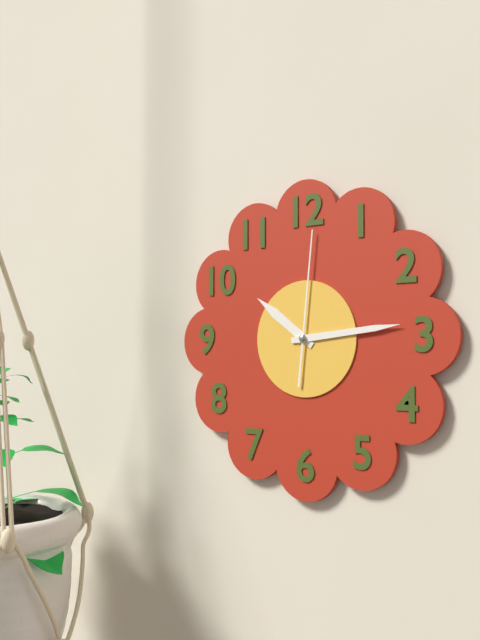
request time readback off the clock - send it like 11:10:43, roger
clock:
10:14:01
